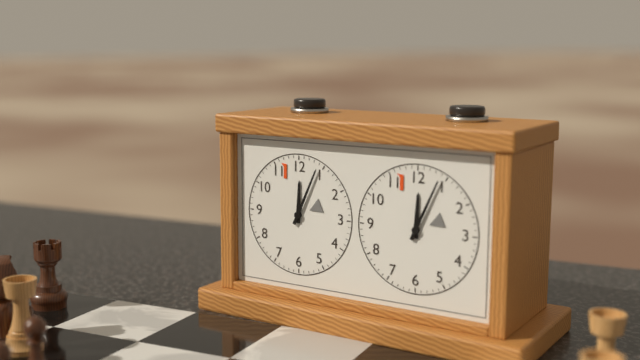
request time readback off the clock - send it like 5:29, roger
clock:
12:04
